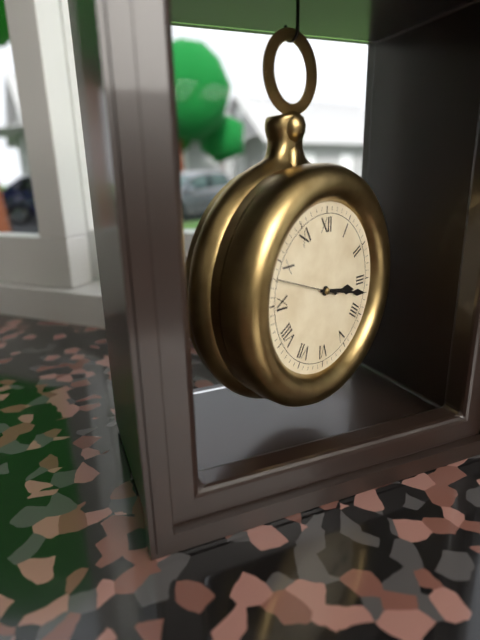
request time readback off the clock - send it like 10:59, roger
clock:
3:17
